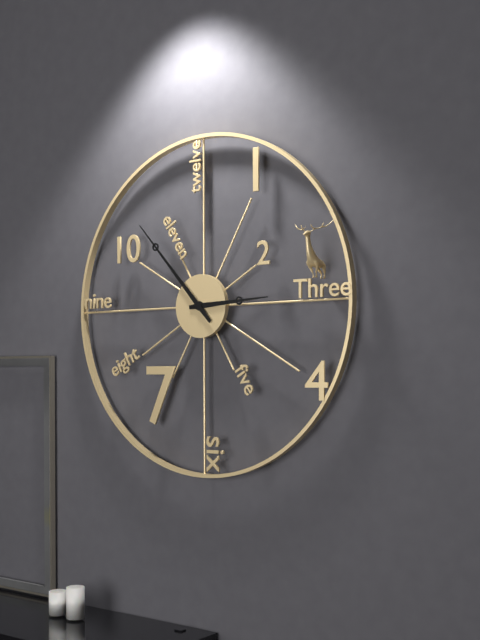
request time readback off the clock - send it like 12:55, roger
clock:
2:53
